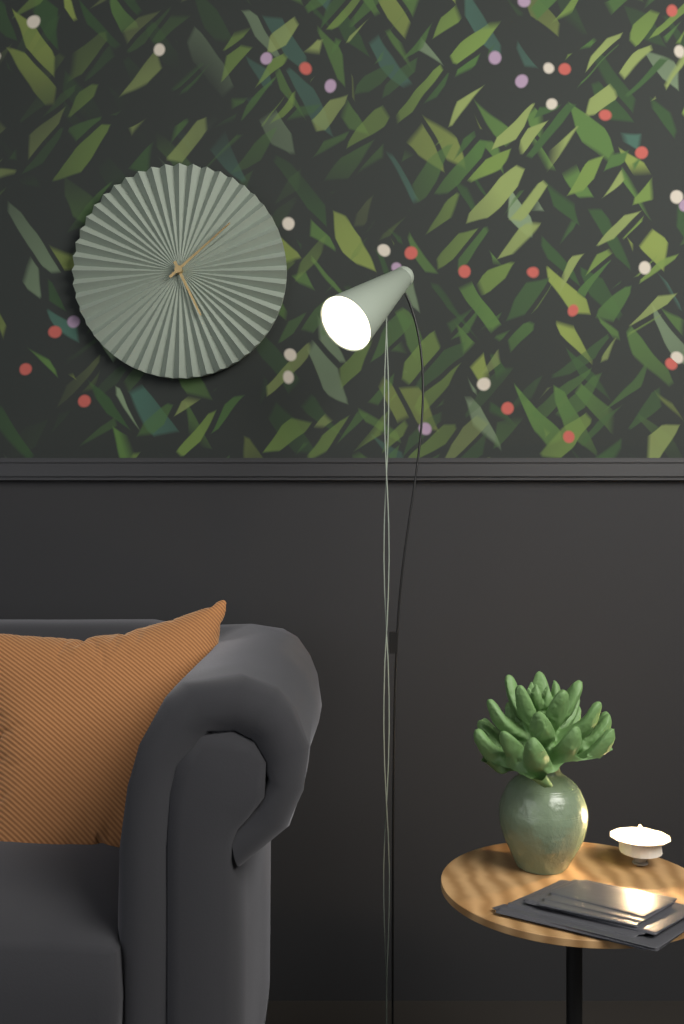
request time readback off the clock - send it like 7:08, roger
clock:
5:08
